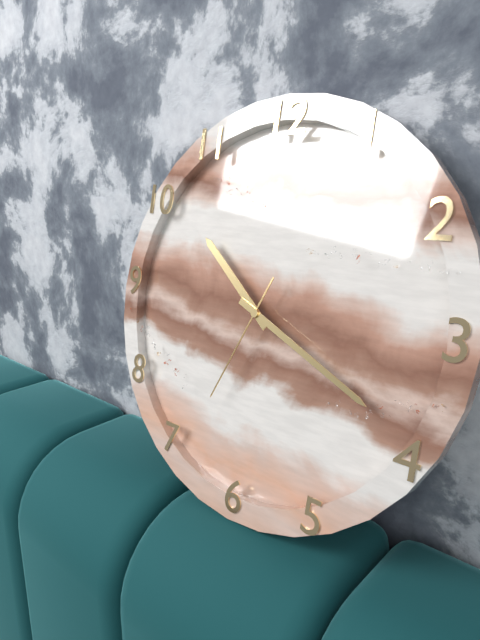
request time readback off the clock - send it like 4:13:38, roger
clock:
10:19:34
